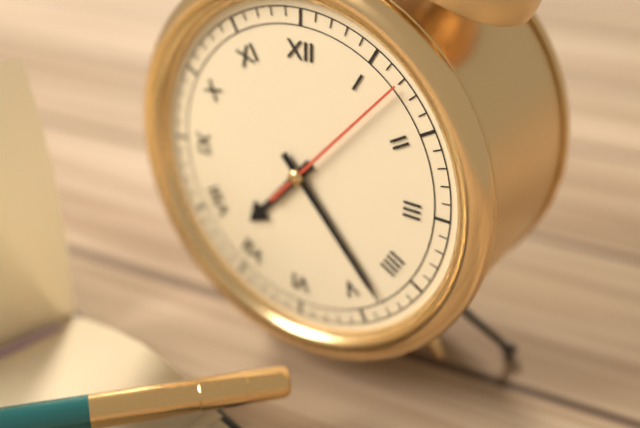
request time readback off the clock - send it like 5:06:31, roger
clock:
7:23:07
